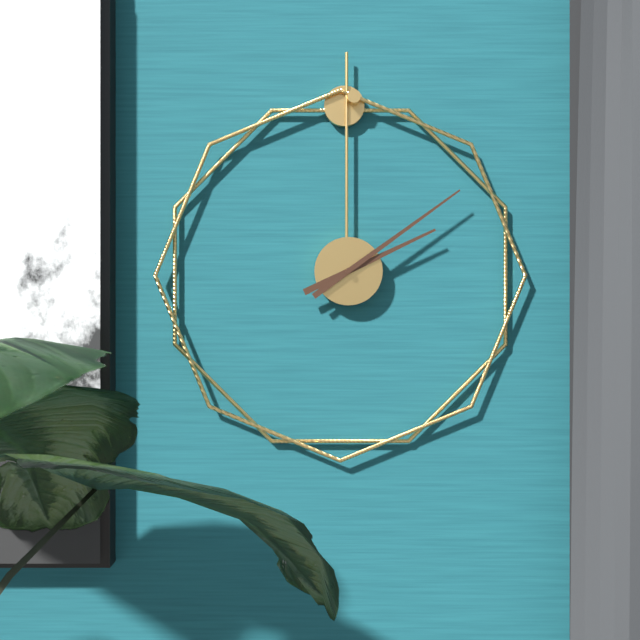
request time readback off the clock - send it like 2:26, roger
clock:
2:09
